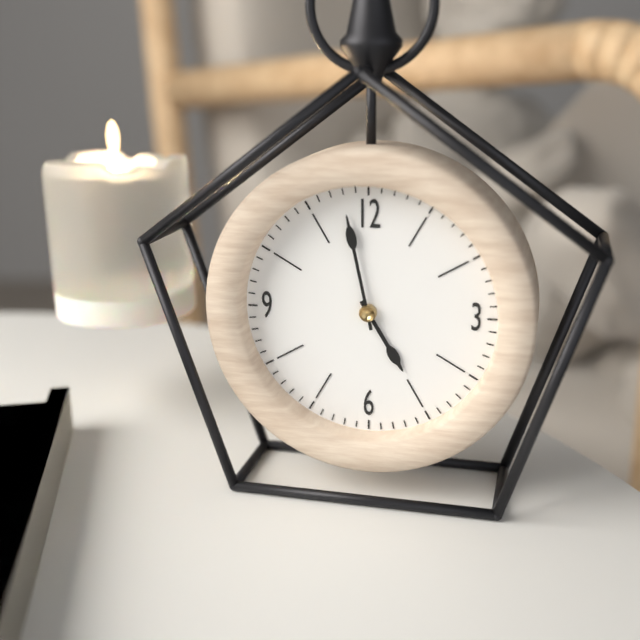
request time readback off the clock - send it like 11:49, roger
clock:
4:58
